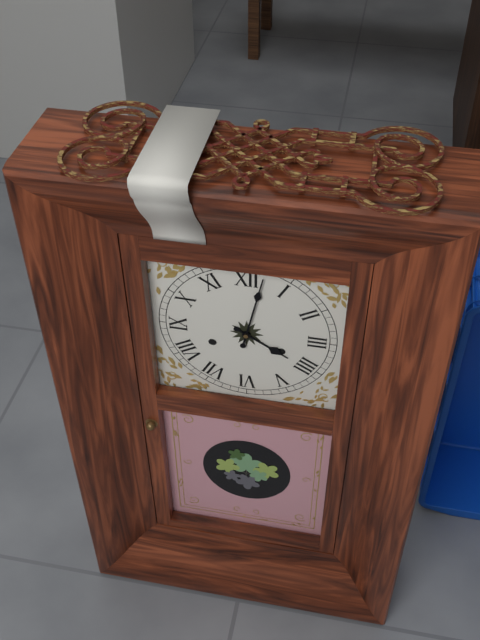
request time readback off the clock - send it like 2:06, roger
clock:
4:02
